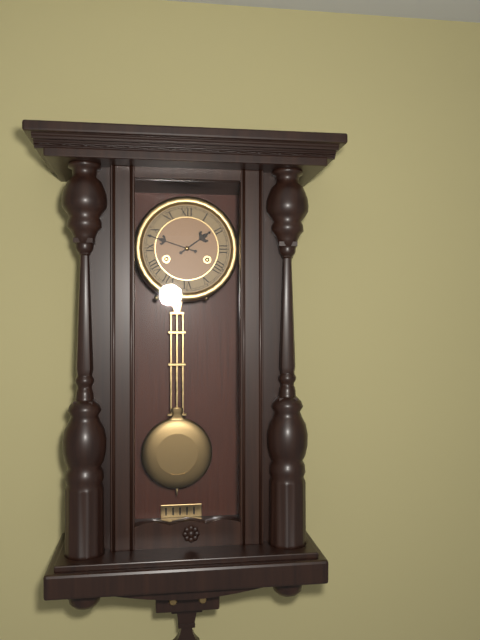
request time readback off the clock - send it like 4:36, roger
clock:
1:48
